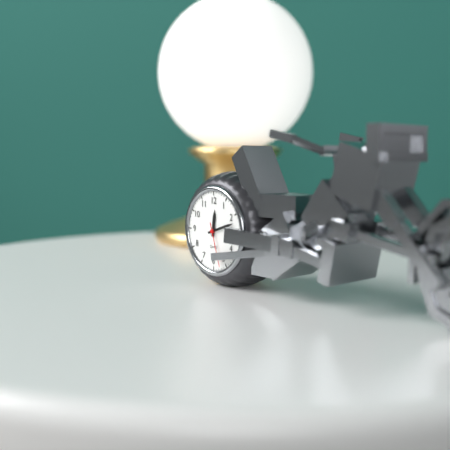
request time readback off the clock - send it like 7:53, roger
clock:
12:12
